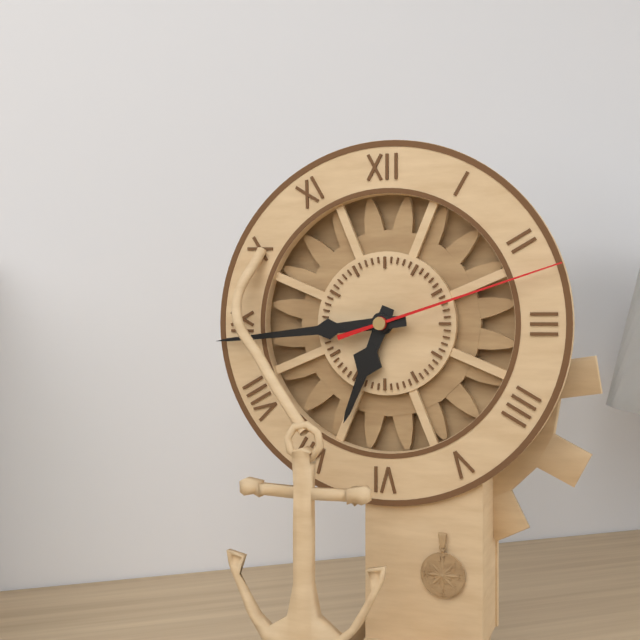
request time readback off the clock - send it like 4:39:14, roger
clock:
6:44:12
